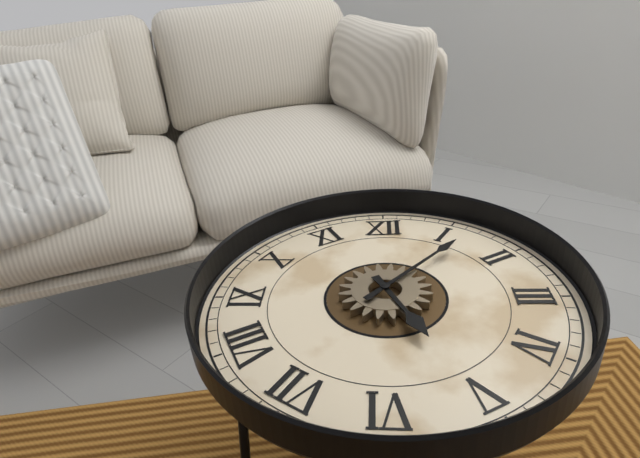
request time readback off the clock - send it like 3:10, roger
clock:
5:07
